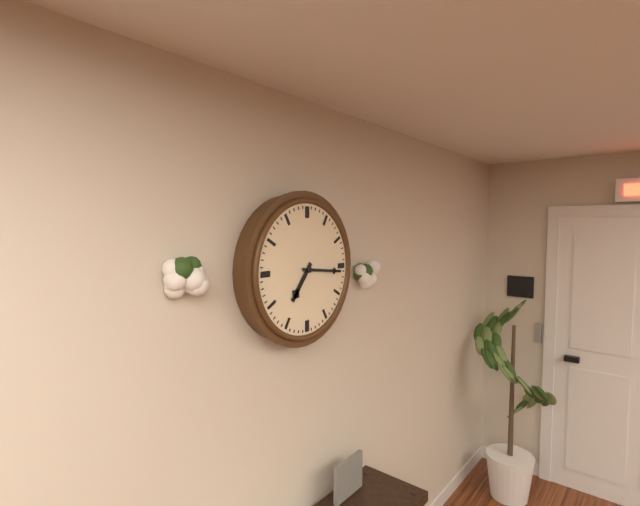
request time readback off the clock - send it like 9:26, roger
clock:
7:16
